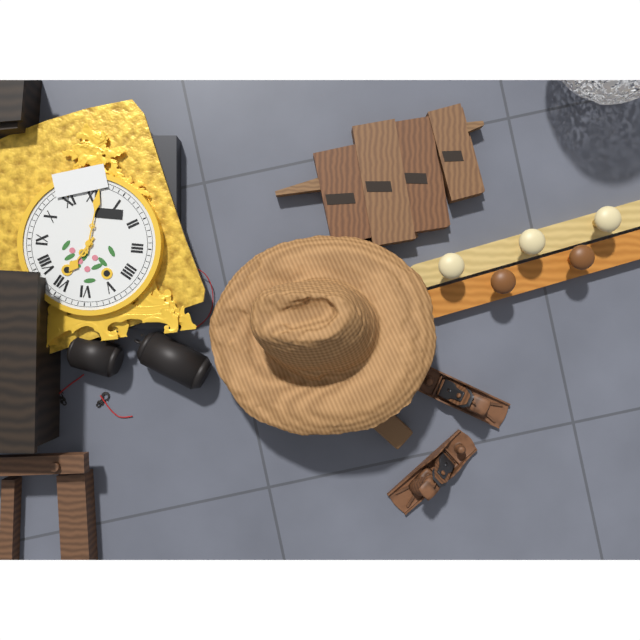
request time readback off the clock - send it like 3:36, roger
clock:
7:01
